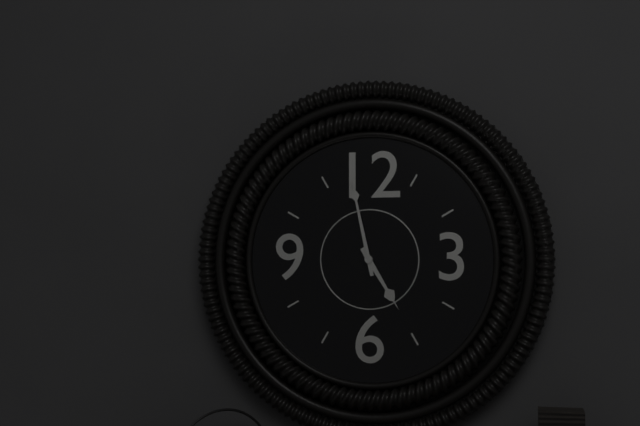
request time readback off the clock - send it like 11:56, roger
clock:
4:58
